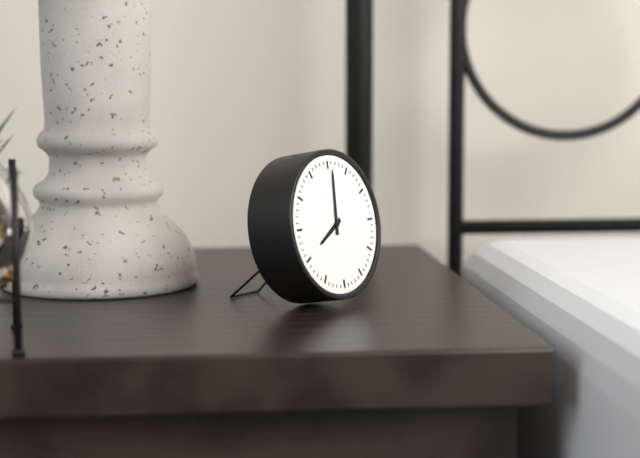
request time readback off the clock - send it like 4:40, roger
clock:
8:01
